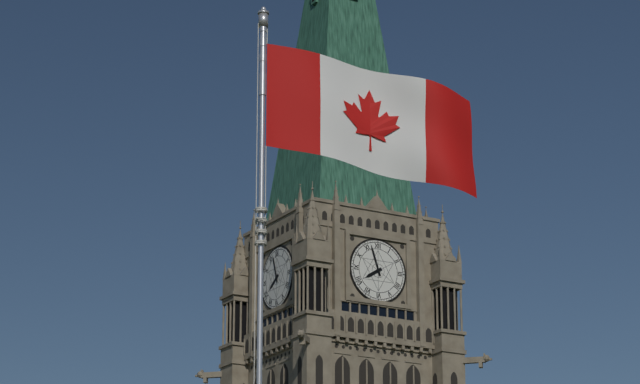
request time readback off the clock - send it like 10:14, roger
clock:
7:57
